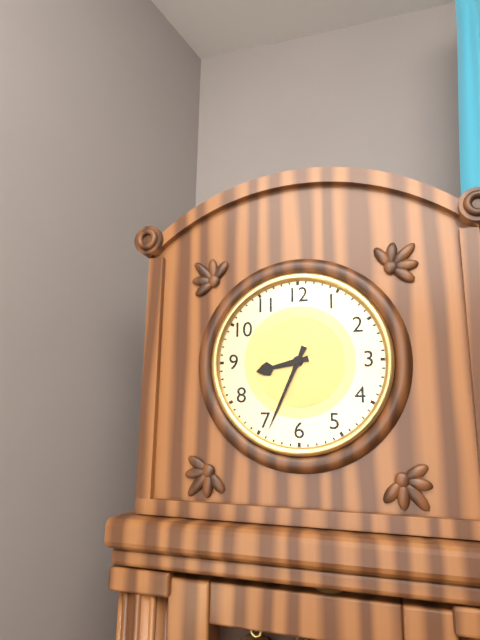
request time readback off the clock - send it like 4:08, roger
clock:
8:34
